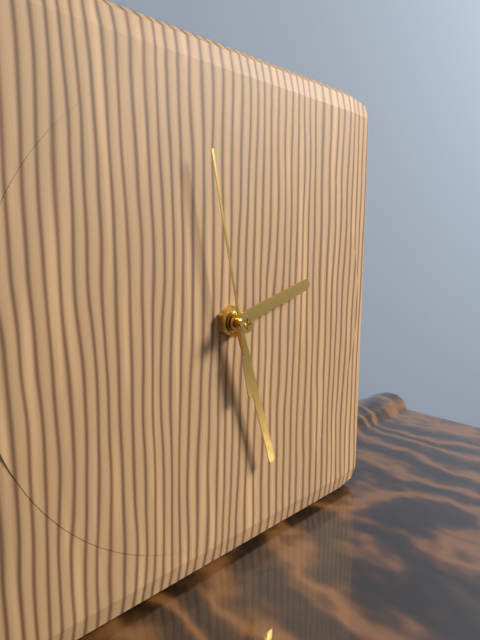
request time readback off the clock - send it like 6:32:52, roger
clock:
2:27:58
